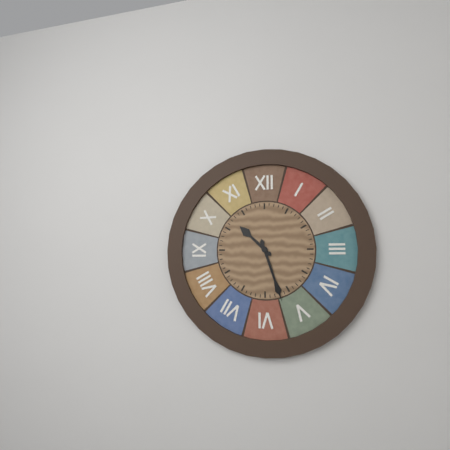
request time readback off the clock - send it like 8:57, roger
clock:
10:27
